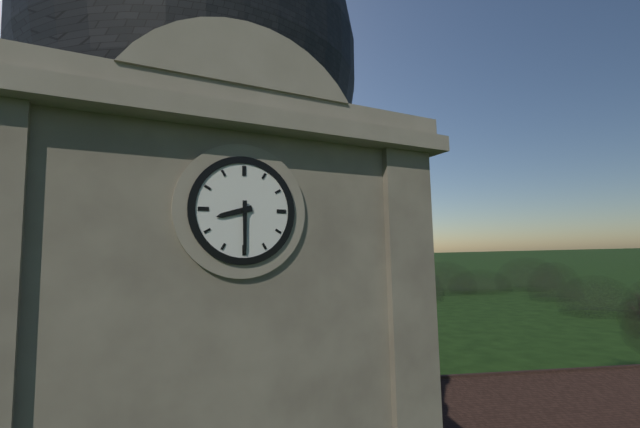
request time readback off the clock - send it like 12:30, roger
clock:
8:30
